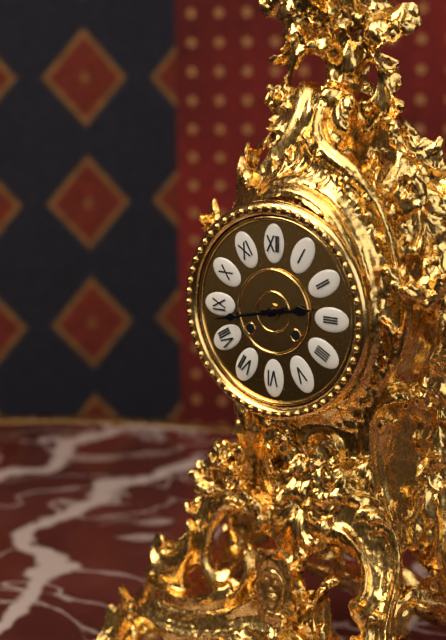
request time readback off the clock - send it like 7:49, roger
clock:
2:43
